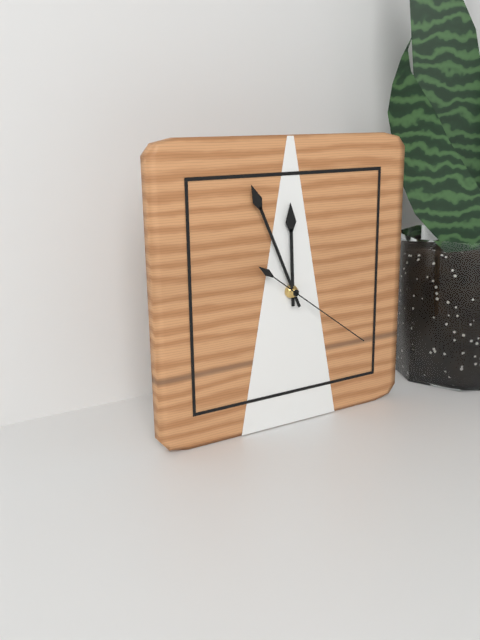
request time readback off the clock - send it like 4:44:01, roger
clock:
11:56:21
